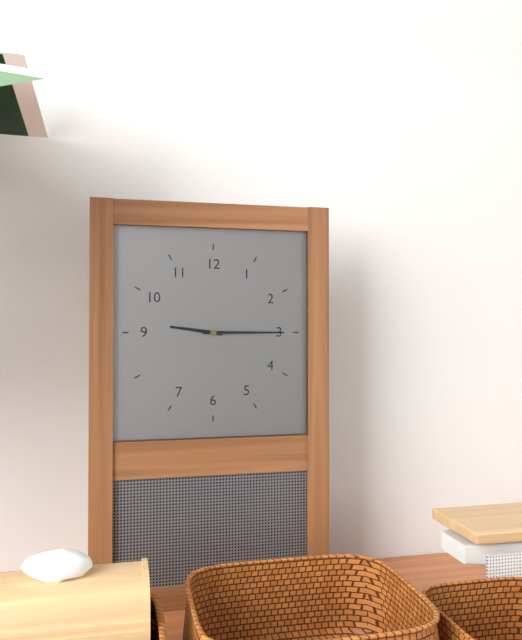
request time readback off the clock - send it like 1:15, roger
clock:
9:15
